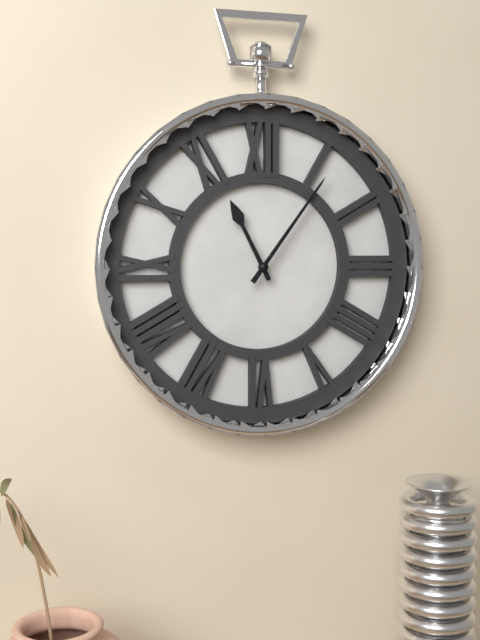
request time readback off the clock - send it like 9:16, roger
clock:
11:06
